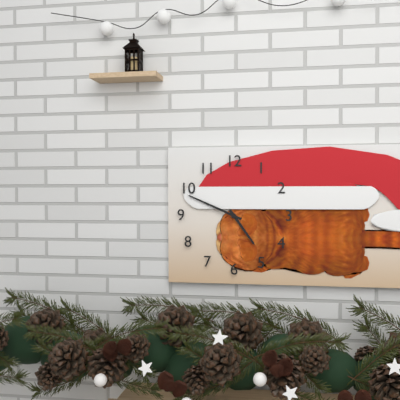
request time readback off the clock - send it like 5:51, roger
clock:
4:49
